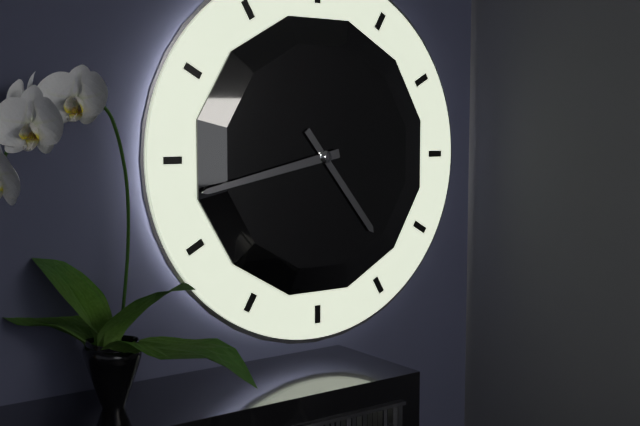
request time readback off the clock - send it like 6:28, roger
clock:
4:43
